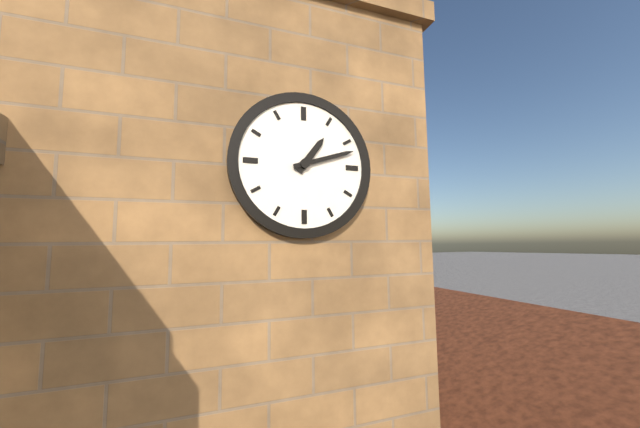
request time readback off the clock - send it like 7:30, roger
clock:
1:12
